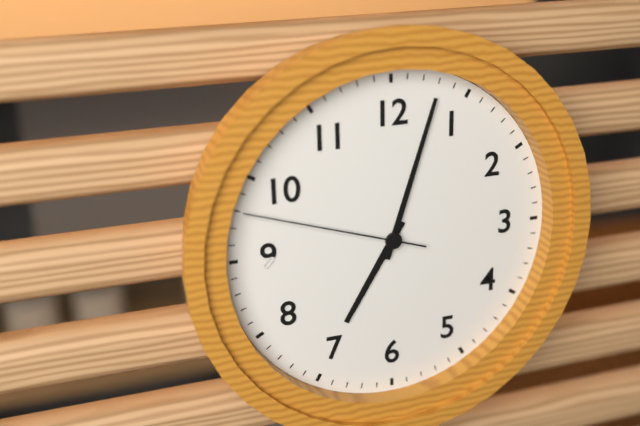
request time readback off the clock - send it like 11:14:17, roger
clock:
7:03:48
